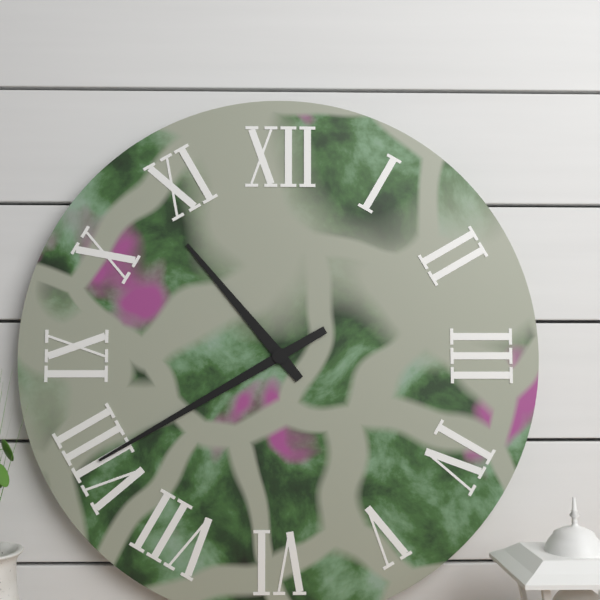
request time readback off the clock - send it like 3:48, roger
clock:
10:40
